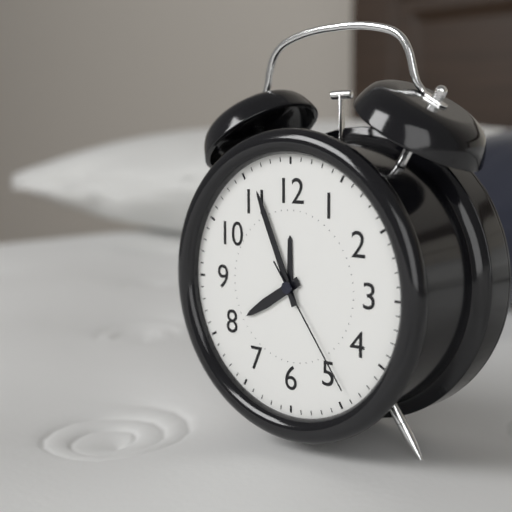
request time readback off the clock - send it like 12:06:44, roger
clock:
7:56:24
